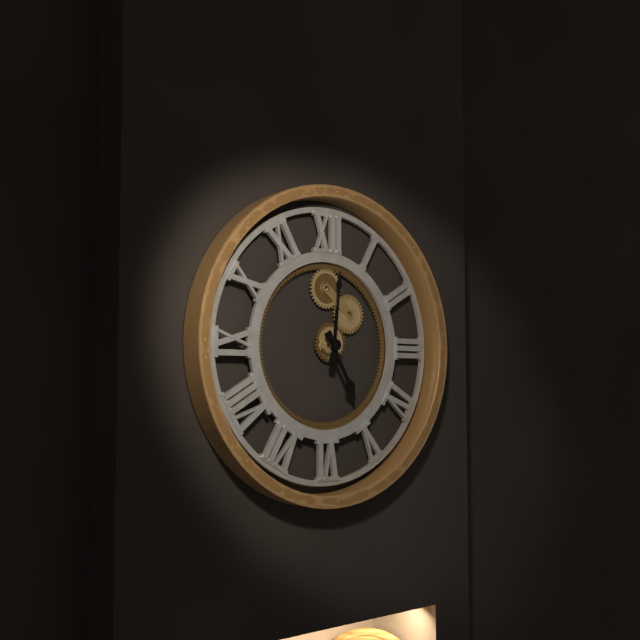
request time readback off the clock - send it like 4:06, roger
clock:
5:01
